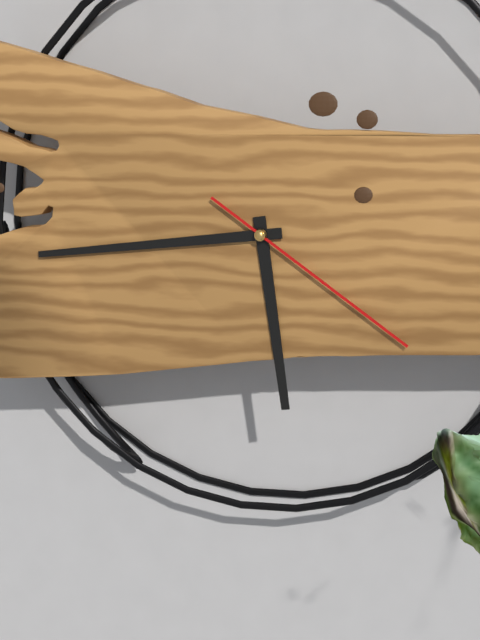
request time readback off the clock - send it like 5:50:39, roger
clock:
5:44:21
